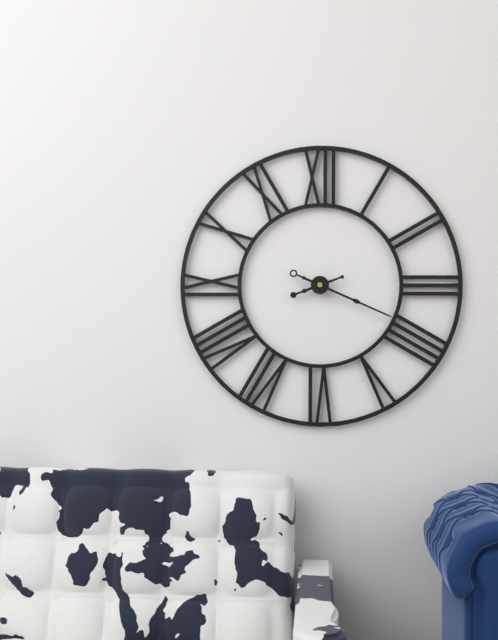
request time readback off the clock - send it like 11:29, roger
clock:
8:19
